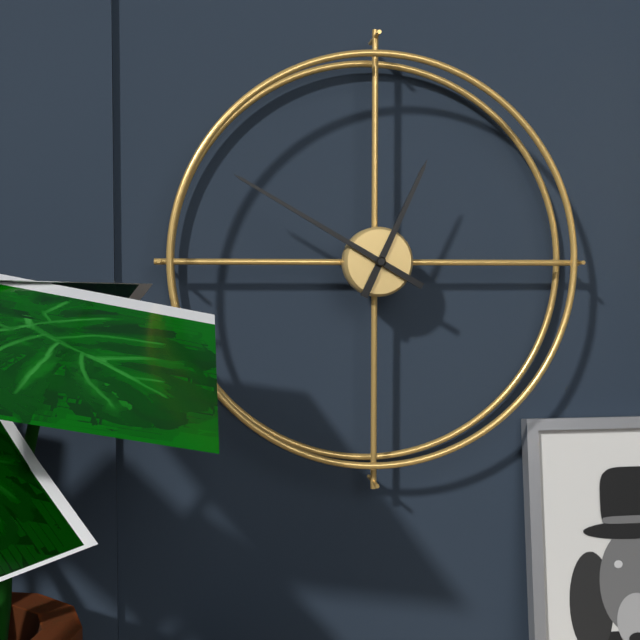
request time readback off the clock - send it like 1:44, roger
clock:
12:50
